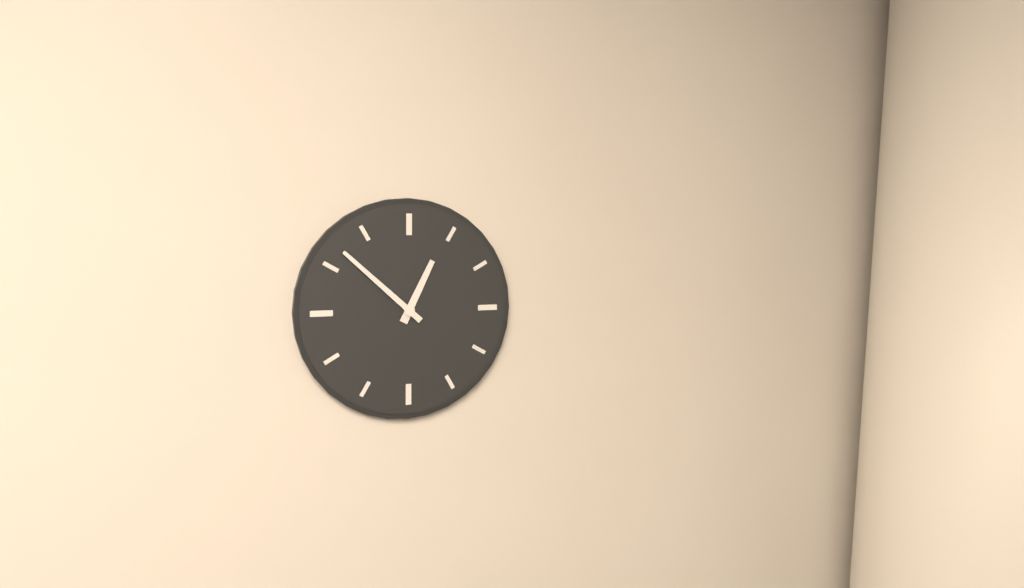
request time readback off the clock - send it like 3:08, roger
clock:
12:52
